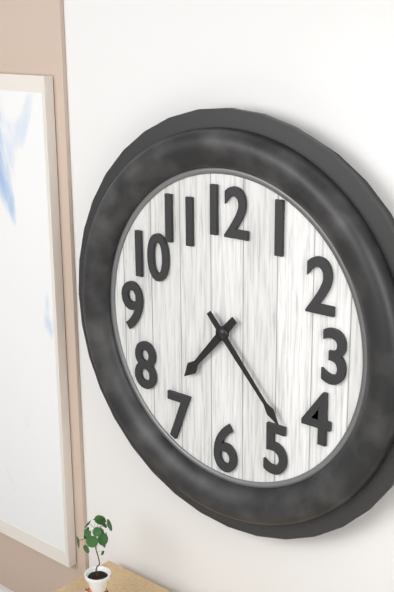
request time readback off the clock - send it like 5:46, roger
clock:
7:23
